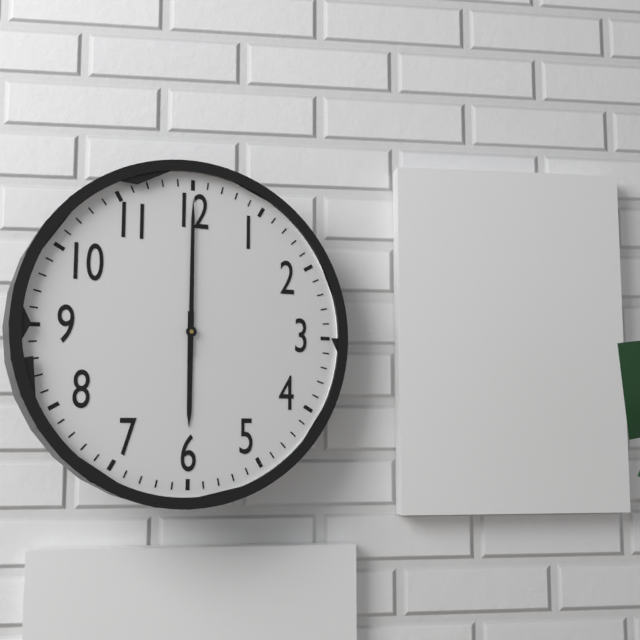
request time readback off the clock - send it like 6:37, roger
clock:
6:00
